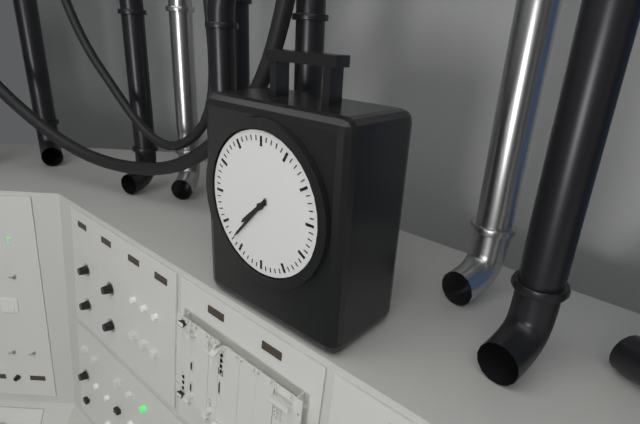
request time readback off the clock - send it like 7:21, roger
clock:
7:37
